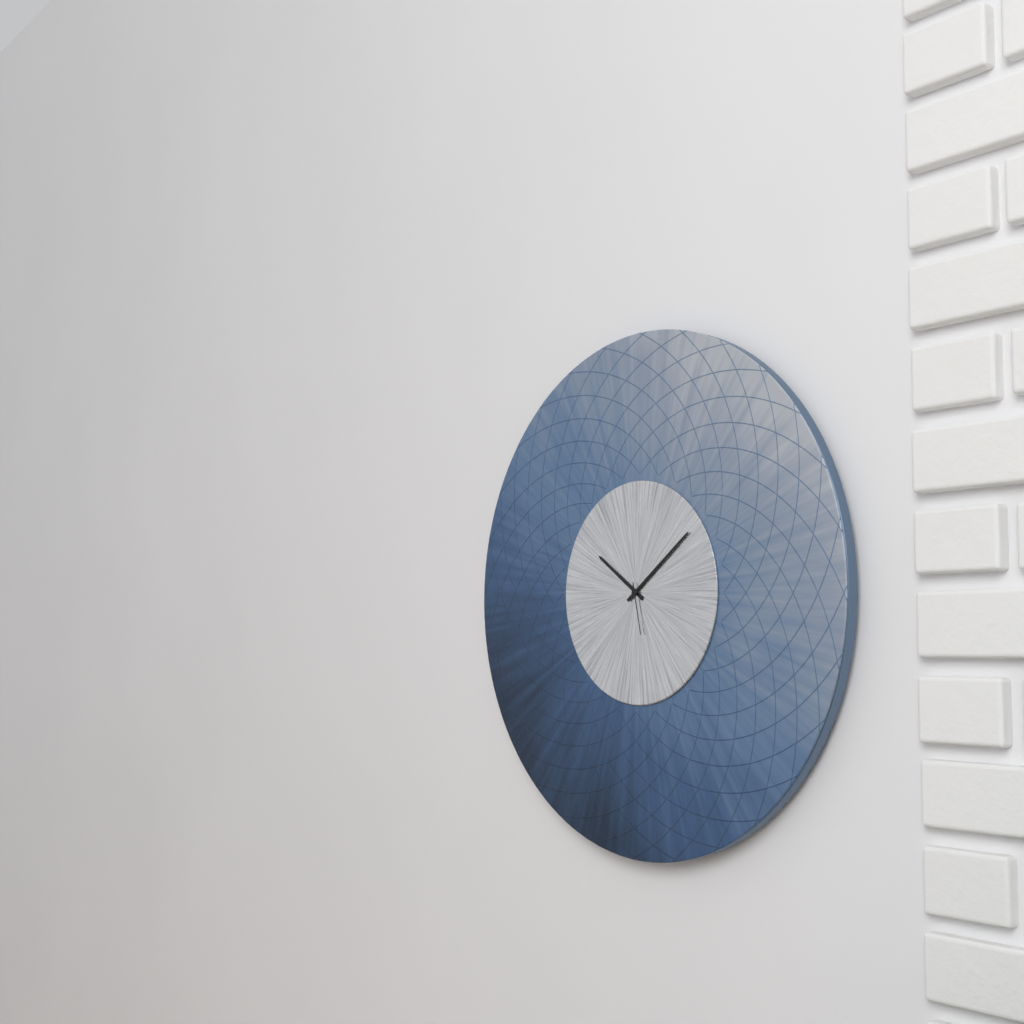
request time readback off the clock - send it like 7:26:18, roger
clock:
10:09:28
